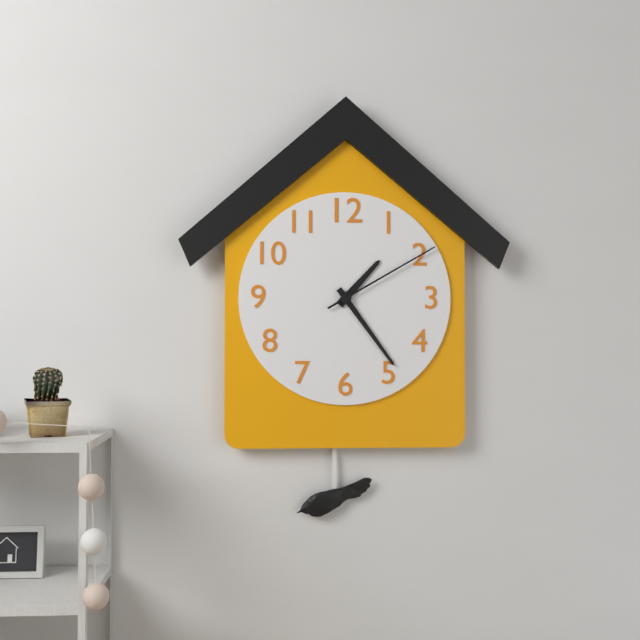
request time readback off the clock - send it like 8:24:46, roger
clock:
1:24:10
